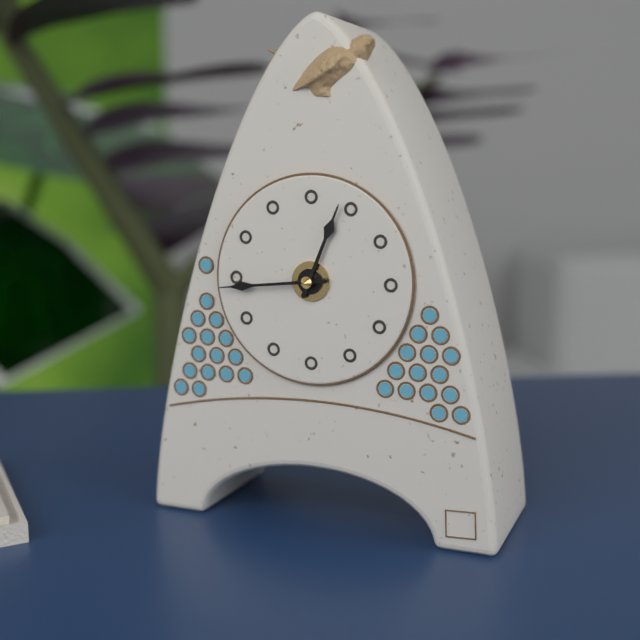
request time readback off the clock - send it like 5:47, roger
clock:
12:44
